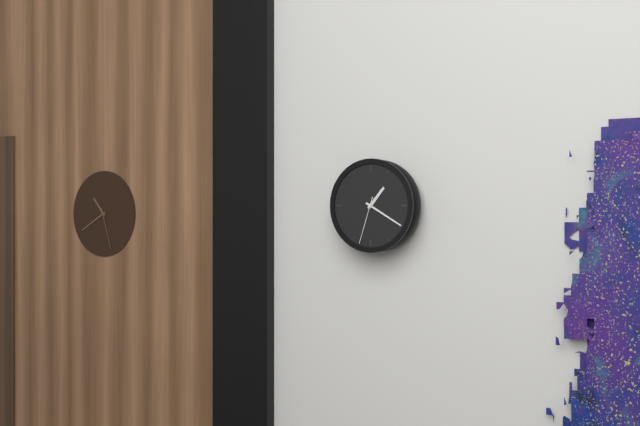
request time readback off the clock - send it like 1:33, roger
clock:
1:20
